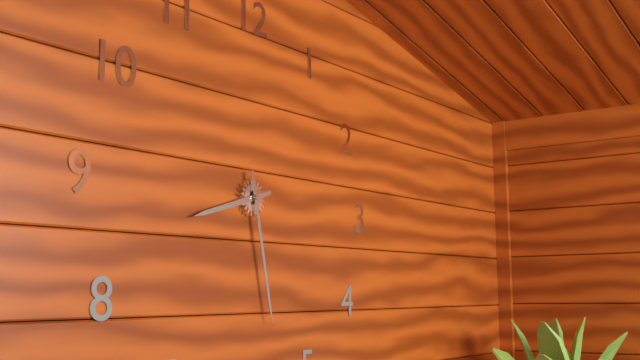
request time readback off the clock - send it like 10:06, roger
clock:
8:28
